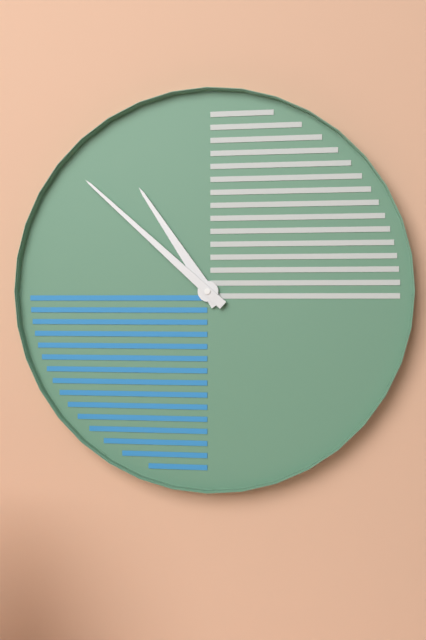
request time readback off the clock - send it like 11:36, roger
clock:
10:52
